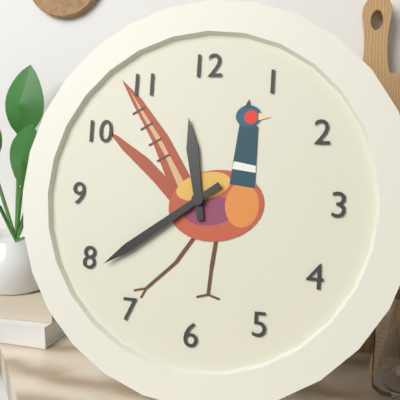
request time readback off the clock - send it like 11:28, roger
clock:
11:39
